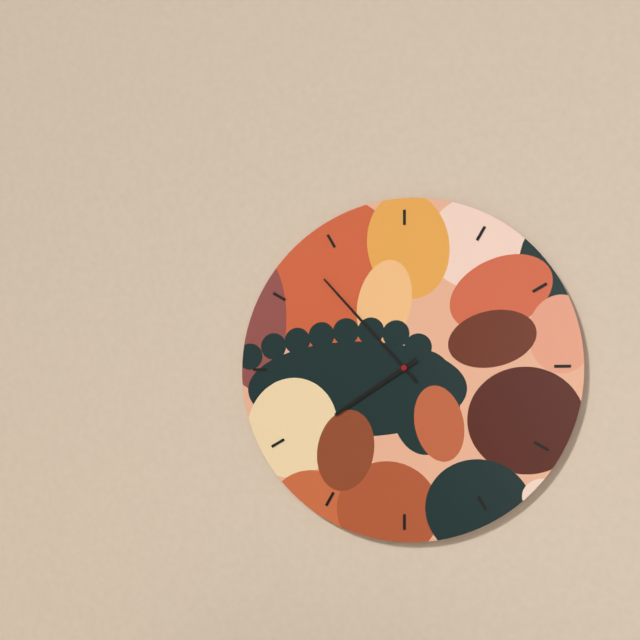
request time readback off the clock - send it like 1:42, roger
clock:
7:53
